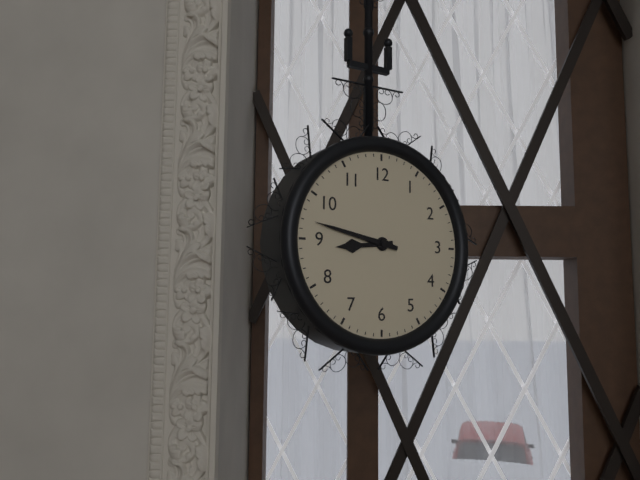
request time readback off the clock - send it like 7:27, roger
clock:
8:47
